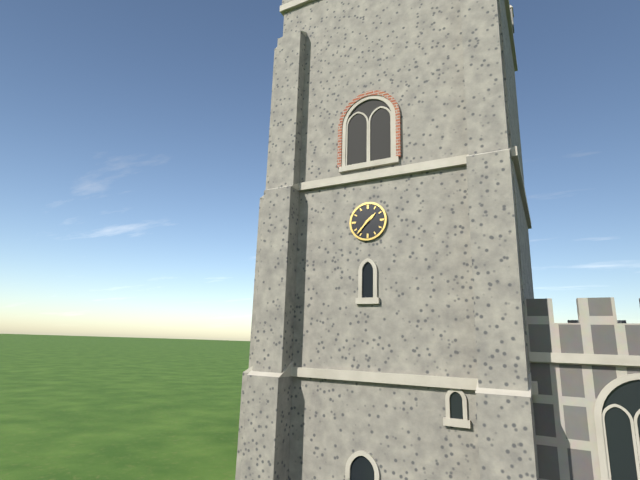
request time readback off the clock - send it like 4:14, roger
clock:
1:37
